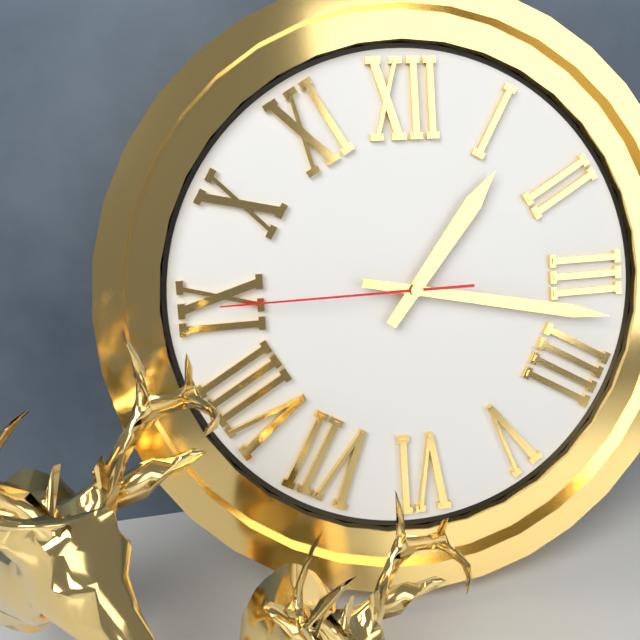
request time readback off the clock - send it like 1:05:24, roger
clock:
1:17:45
